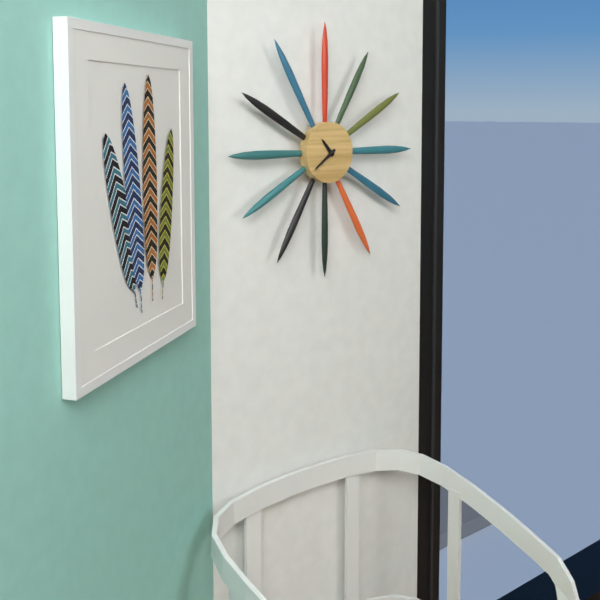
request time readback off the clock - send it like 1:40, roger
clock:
10:39
